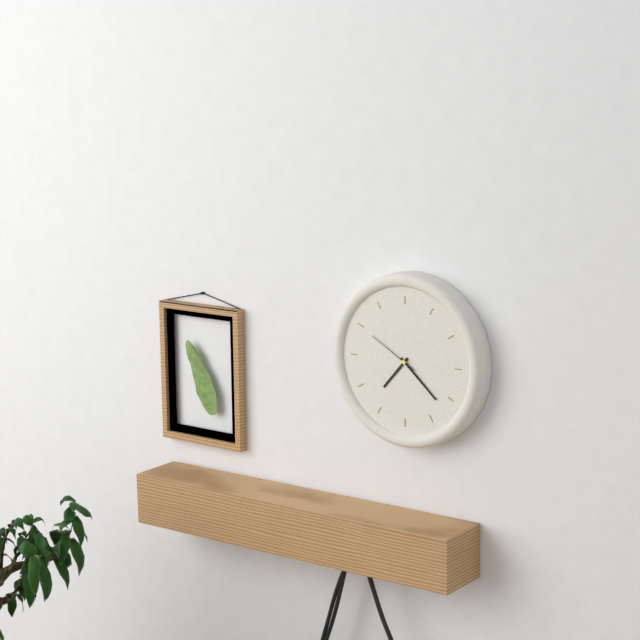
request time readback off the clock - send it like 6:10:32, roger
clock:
7:22:50
